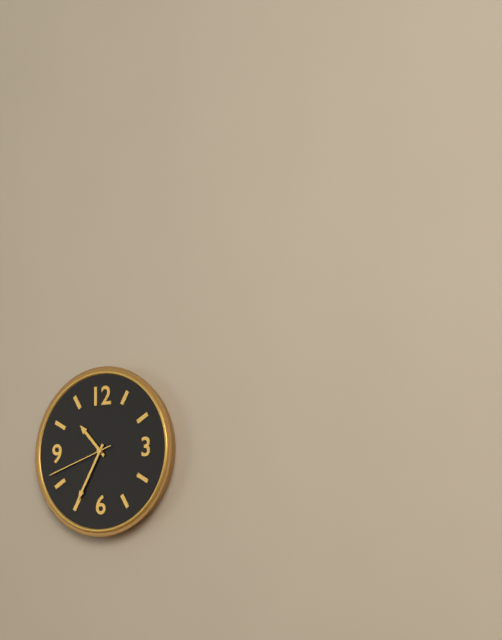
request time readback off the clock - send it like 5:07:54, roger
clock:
10:35:42
